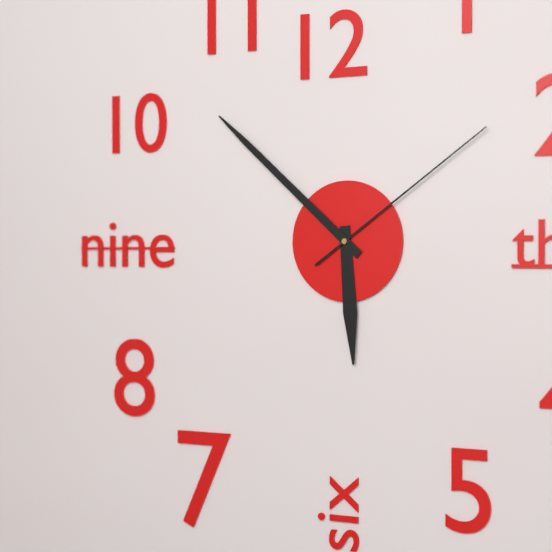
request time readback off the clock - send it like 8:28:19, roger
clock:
5:52:09
